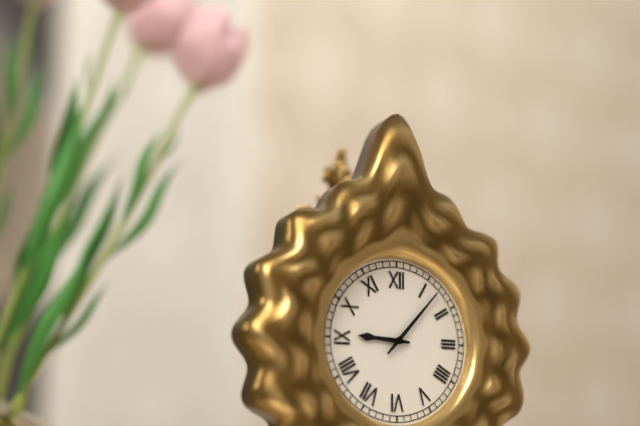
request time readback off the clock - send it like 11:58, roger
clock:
9:07
